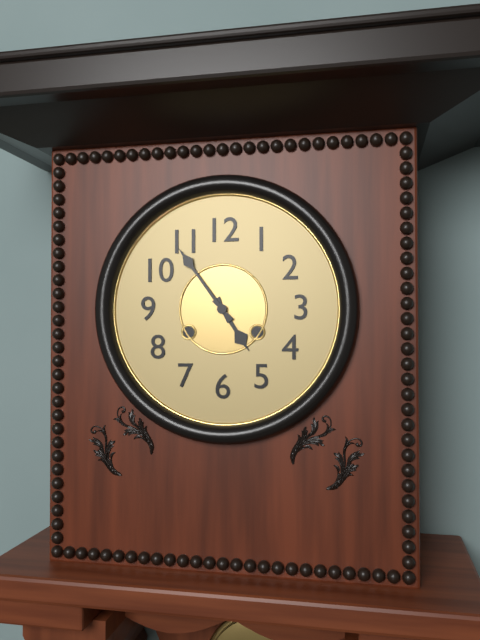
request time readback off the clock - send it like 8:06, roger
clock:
4:54
